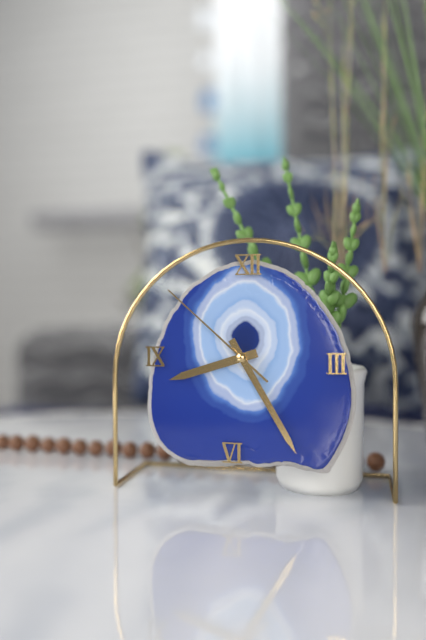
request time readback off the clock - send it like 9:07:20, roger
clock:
8:25:52
